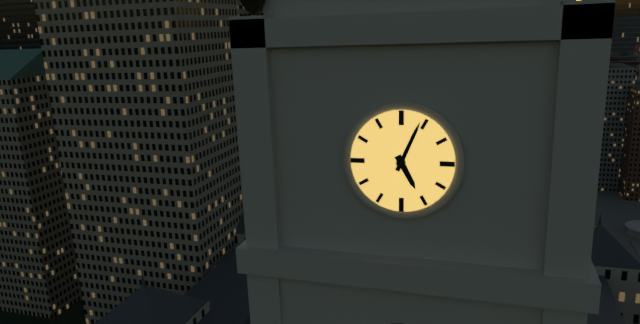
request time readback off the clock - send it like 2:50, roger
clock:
5:04
